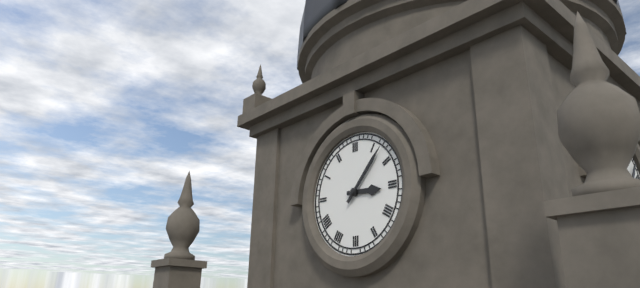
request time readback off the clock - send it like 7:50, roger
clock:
3:07
